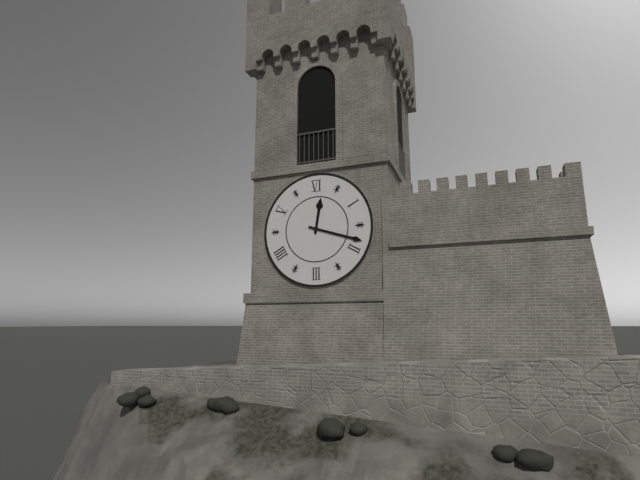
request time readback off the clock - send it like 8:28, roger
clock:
12:18
